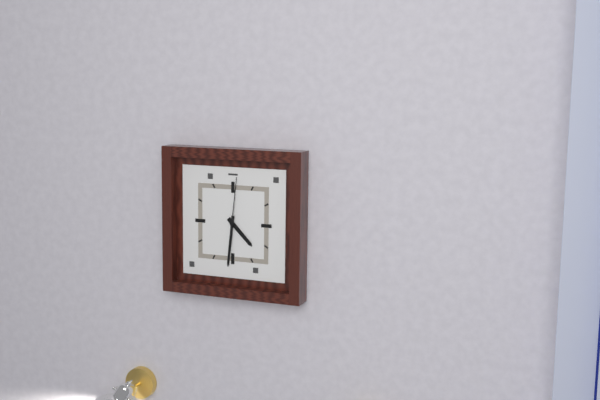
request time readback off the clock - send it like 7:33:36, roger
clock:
4:31:01
